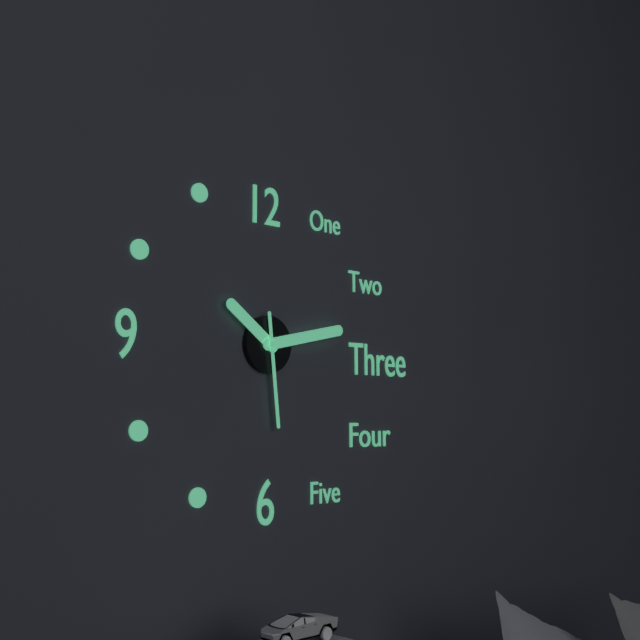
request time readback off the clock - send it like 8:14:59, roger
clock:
10:13:29
